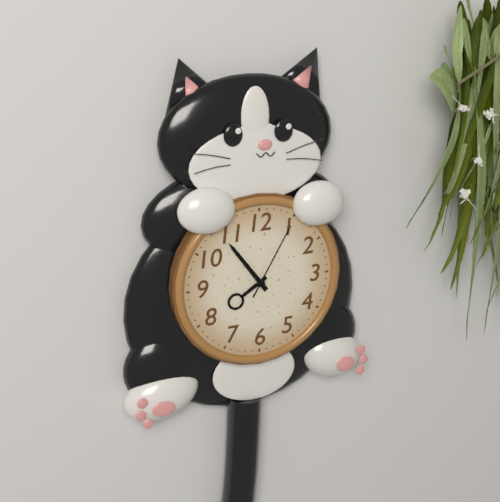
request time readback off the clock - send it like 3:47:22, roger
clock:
7:54:05
